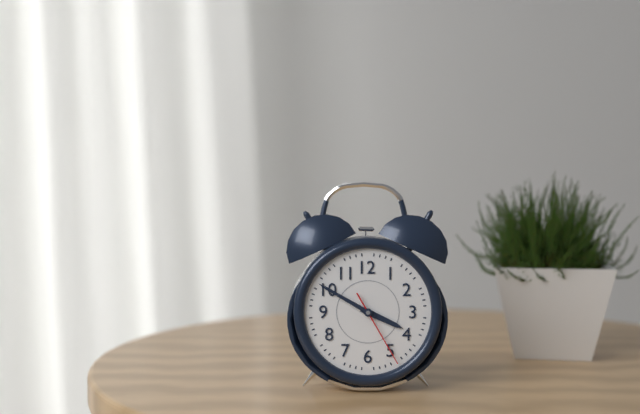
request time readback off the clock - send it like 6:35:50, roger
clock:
3:50:25
